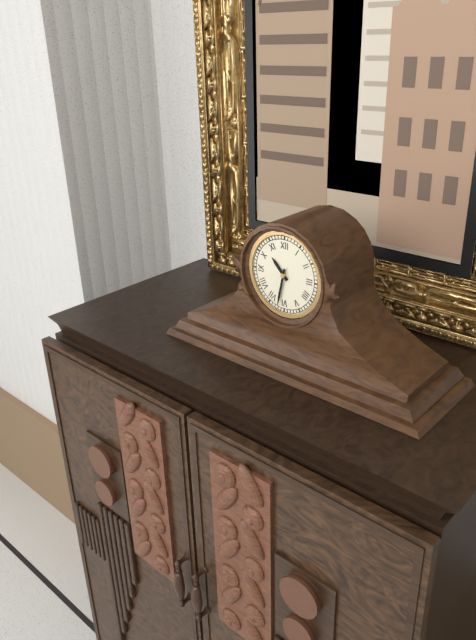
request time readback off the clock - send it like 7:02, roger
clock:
10:32
